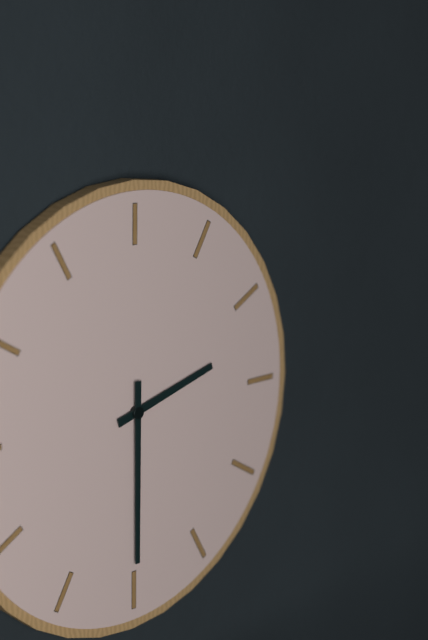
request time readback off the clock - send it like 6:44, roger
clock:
2:30
